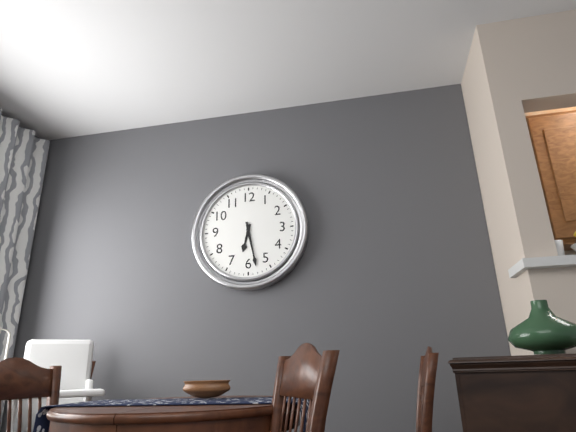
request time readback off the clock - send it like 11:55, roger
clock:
6:28
